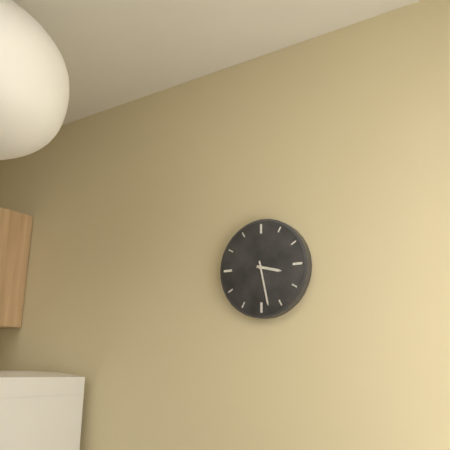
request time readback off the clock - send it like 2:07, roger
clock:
3:28
